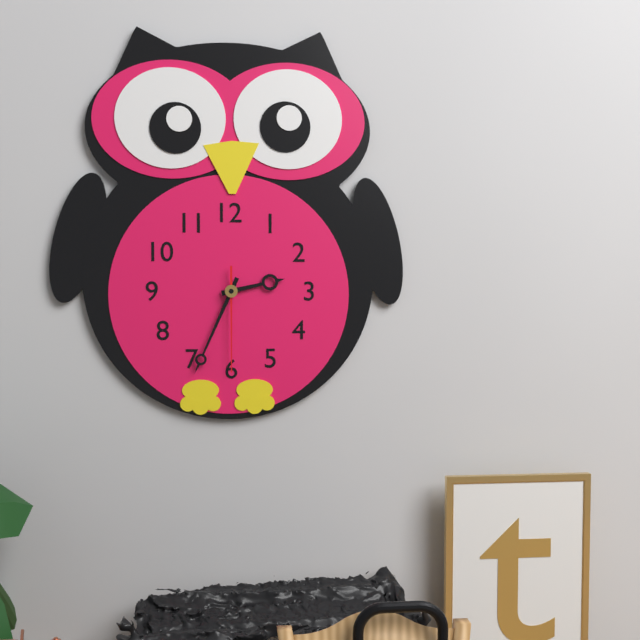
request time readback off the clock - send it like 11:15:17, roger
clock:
2:34:30
